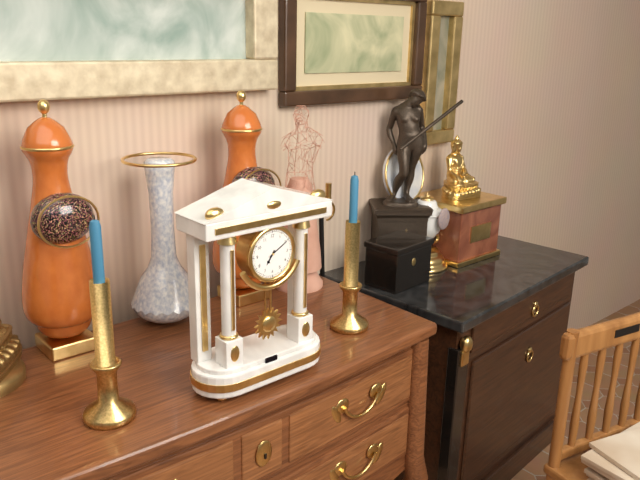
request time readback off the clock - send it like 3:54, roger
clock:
7:10
